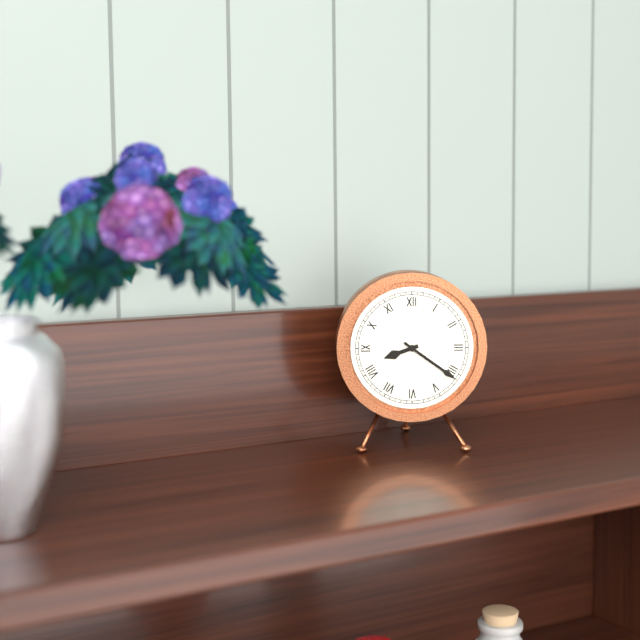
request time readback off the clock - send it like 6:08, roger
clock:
8:21
